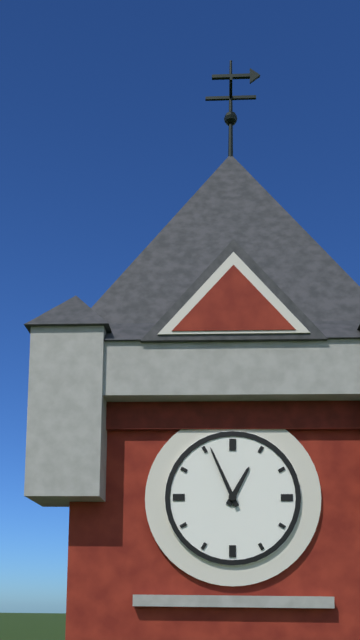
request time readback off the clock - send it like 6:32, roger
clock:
12:56
